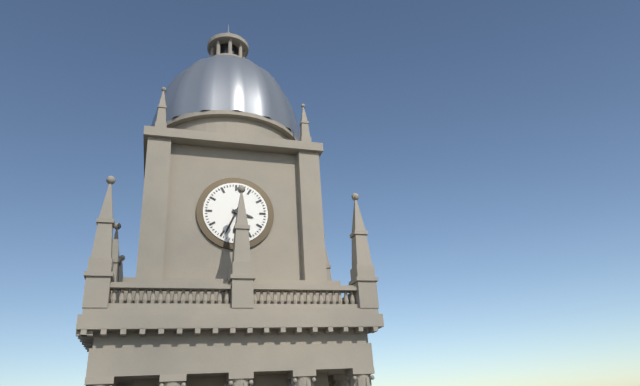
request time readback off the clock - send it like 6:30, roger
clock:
3:34
